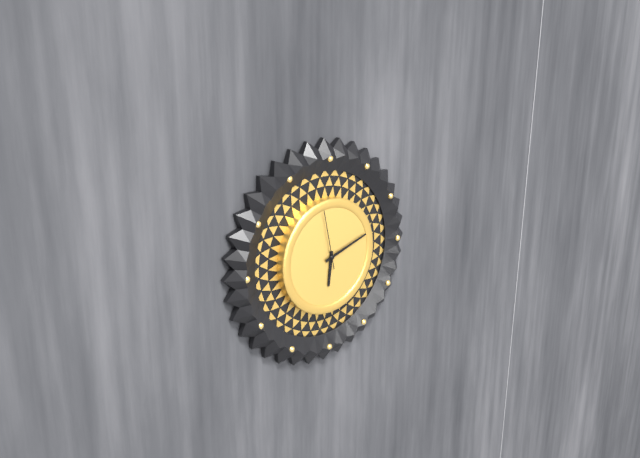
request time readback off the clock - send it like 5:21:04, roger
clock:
6:12:58
